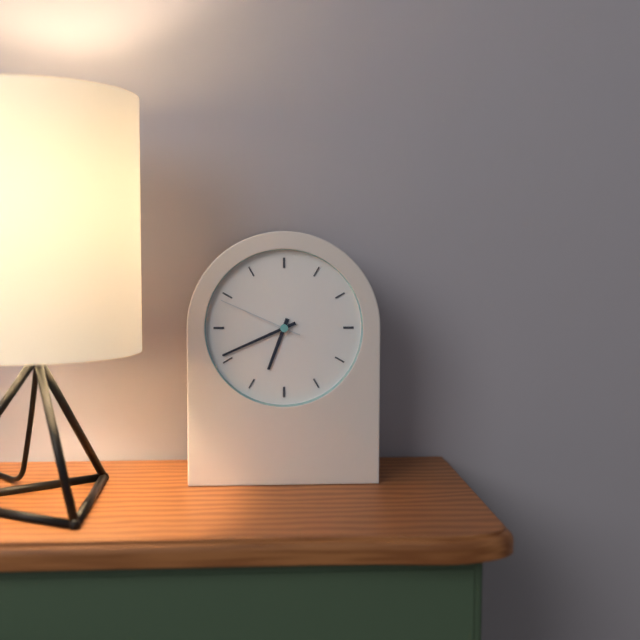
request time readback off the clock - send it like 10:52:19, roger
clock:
6:41:49
